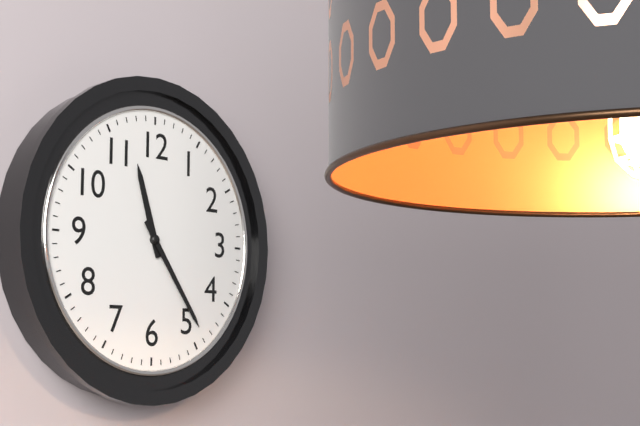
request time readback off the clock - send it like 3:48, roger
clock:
11:24
